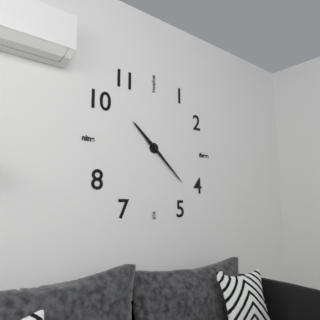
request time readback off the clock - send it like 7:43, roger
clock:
10:22
